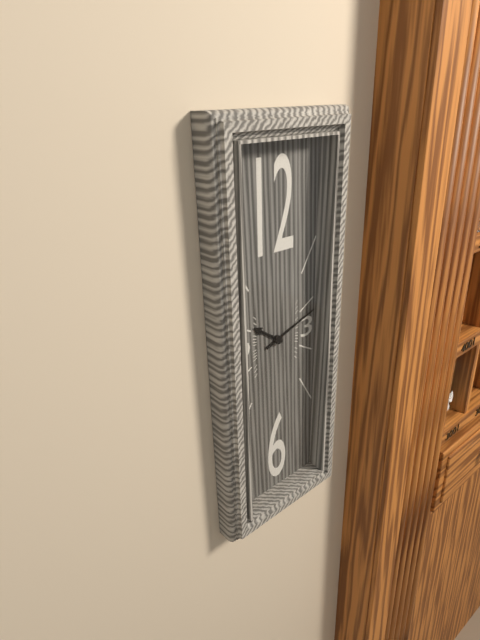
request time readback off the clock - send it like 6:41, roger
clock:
10:12
